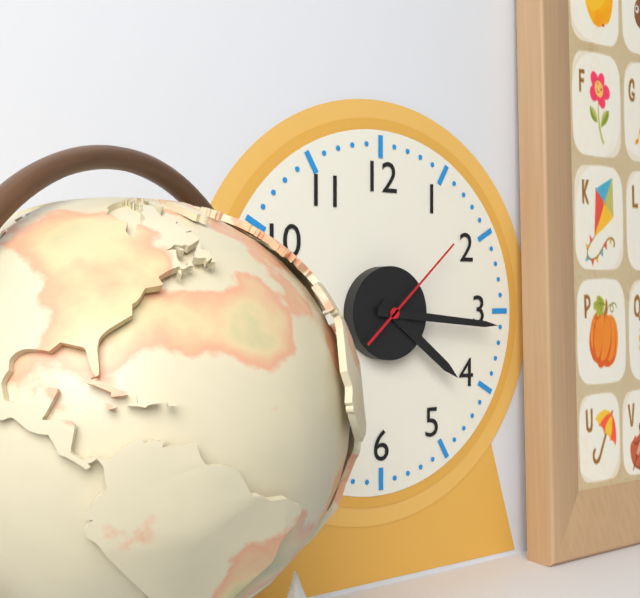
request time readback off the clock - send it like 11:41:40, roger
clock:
4:16:08
